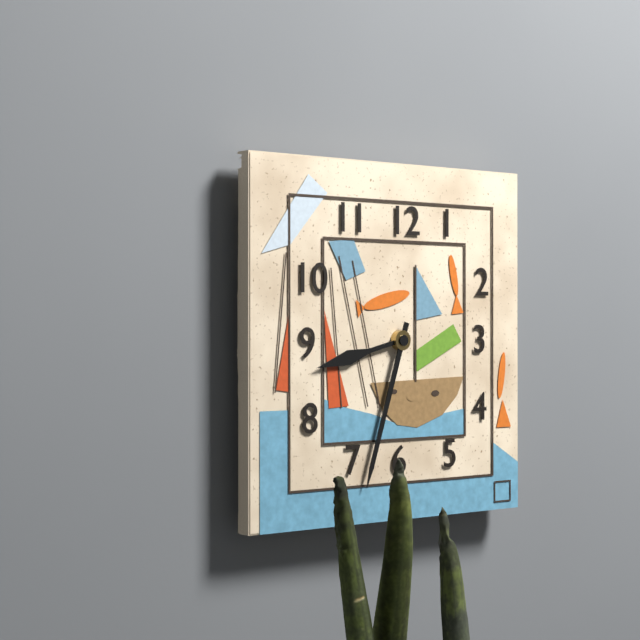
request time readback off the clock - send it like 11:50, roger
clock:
8:33
